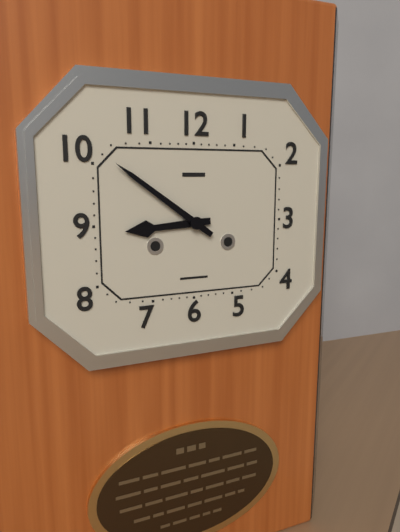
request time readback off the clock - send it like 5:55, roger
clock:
8:51
